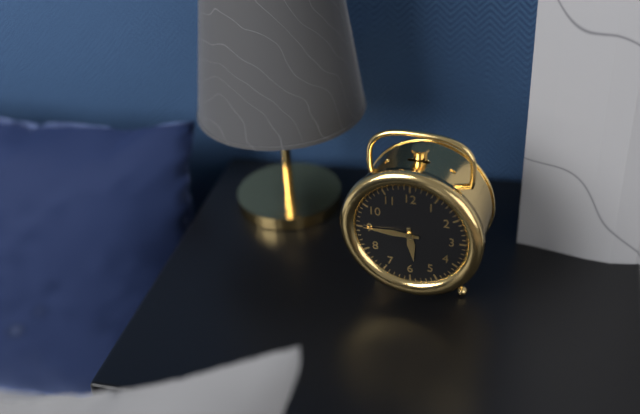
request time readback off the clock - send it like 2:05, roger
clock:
5:45
